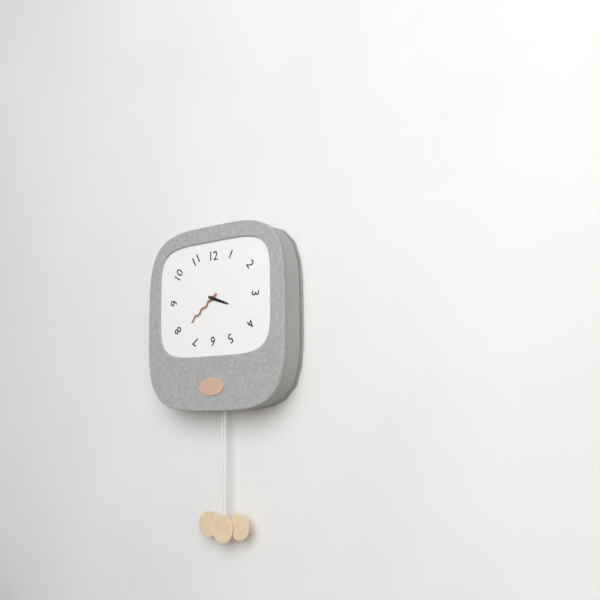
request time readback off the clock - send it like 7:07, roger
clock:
3:39
